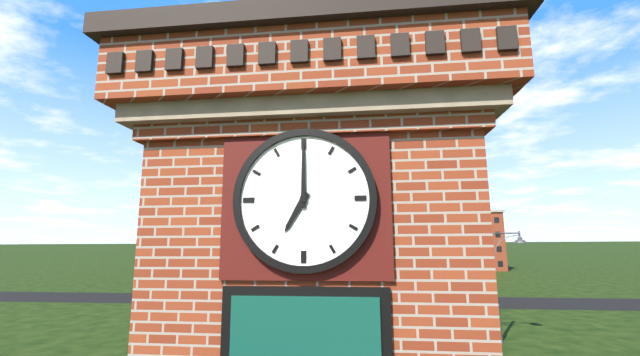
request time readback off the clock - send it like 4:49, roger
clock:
7:00
